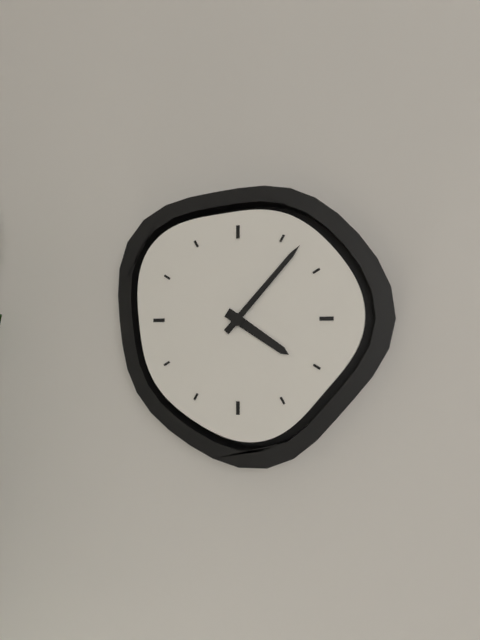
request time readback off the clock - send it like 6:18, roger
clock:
4:07
